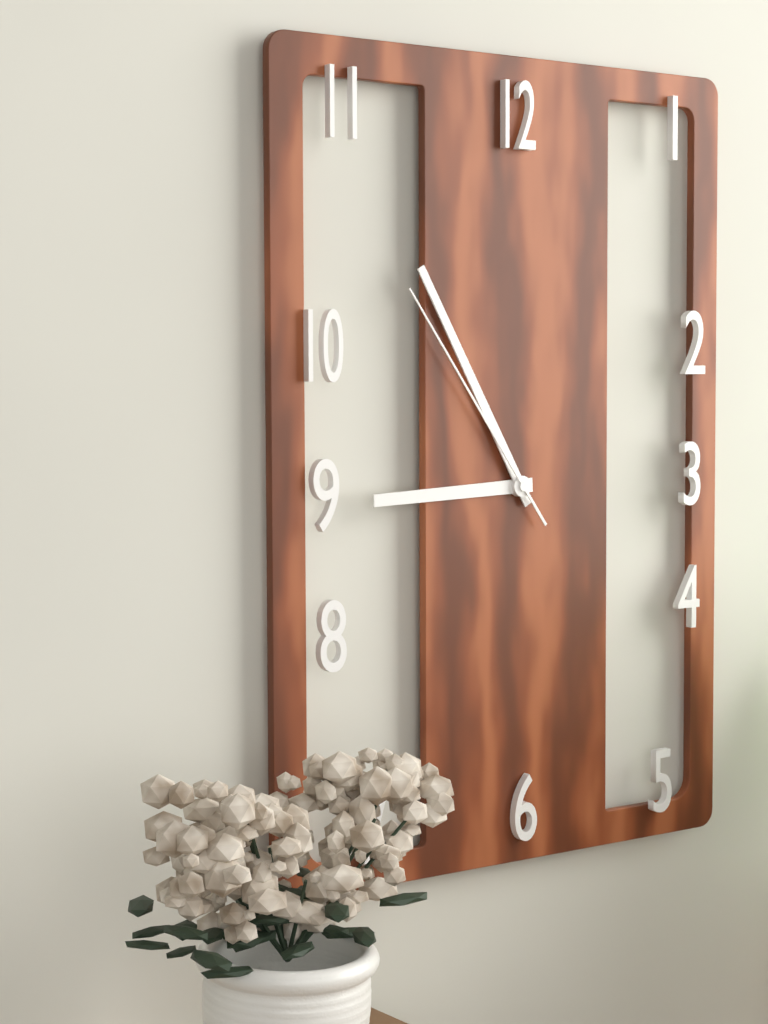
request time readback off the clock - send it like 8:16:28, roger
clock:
8:55:54
